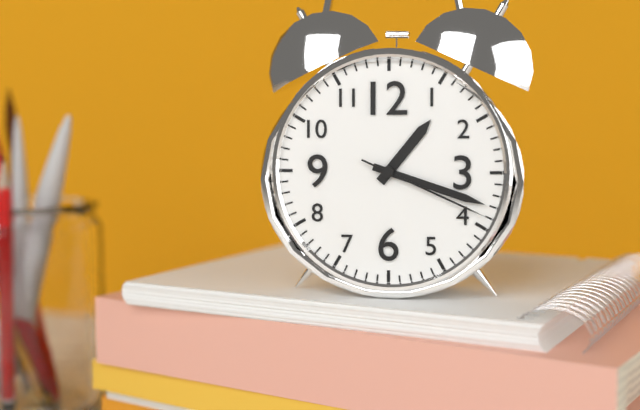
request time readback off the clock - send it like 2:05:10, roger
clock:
1:18:19
